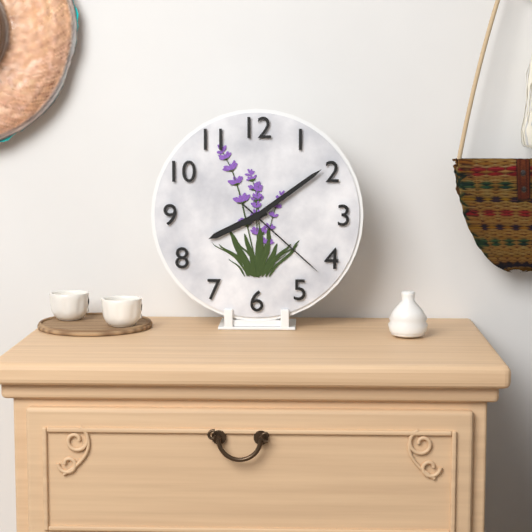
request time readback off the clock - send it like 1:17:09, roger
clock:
8:09:22
